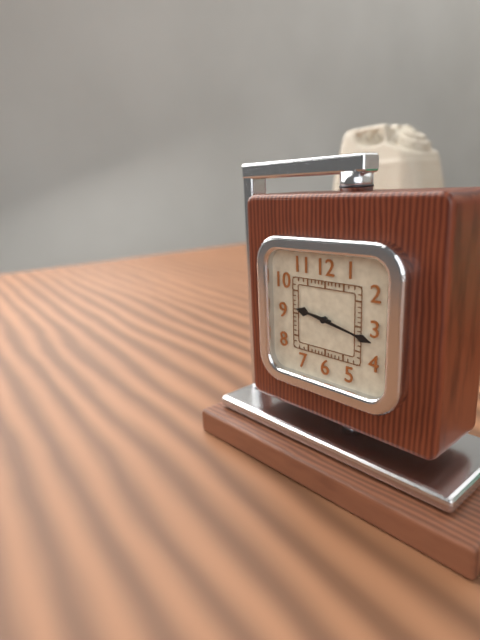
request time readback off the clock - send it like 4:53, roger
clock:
9:17
